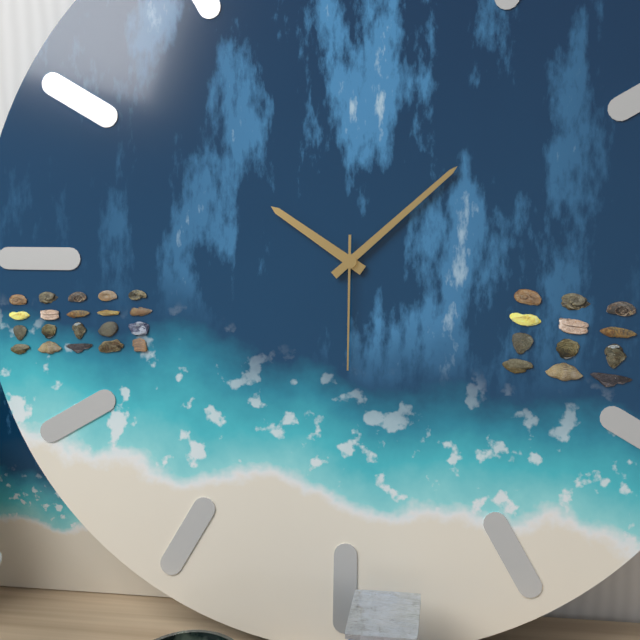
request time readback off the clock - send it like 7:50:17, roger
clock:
10:08:30
